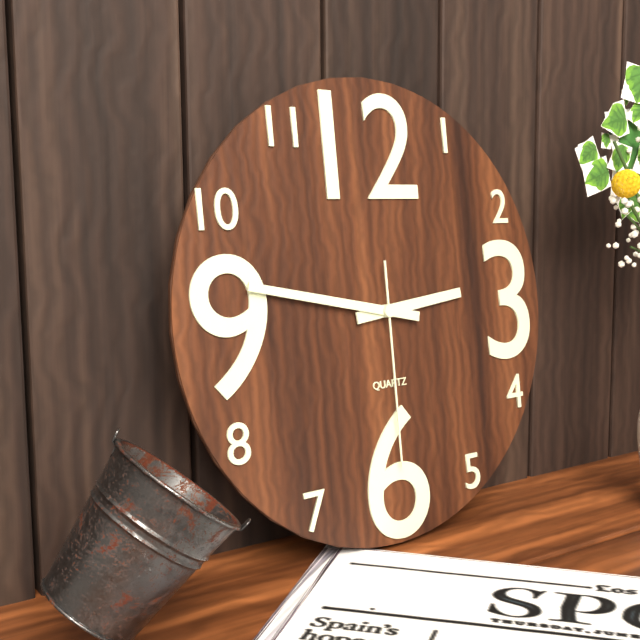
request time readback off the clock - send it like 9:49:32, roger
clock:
2:47:30
